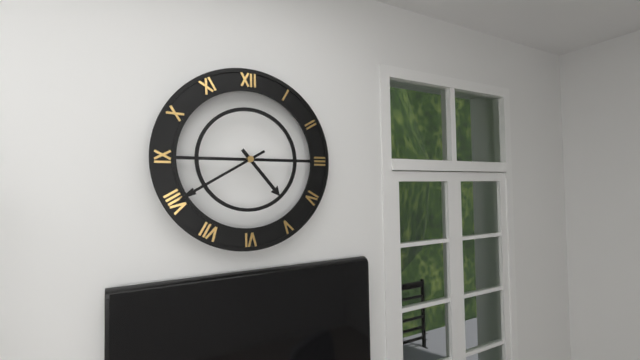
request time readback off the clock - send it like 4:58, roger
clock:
4:40
